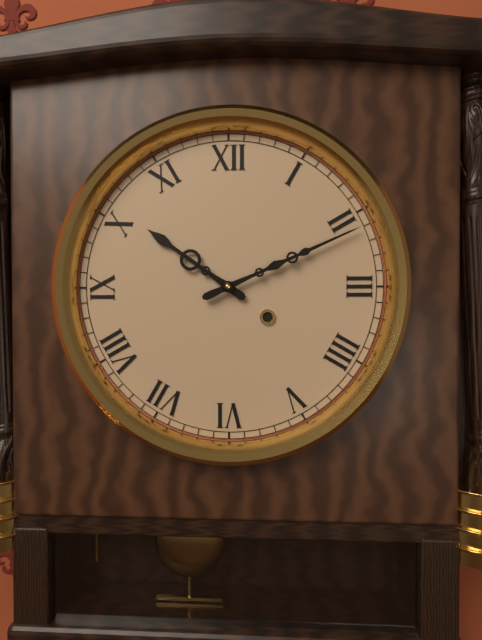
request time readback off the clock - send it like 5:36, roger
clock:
10:11
